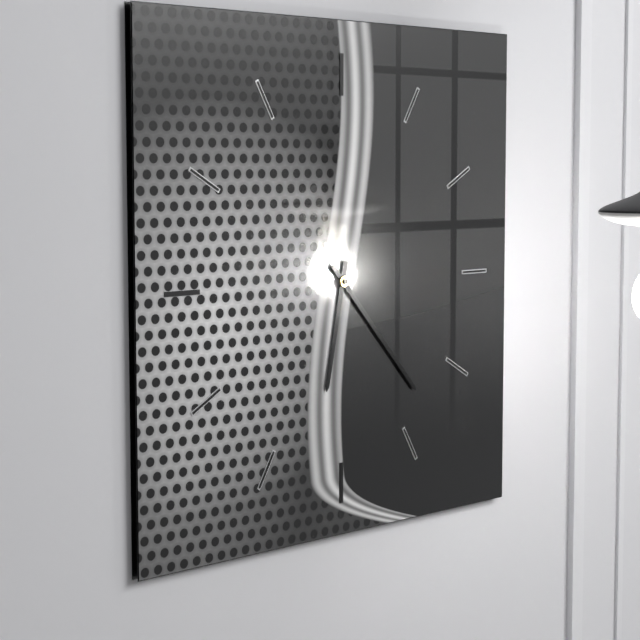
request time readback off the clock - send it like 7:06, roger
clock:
6:23
